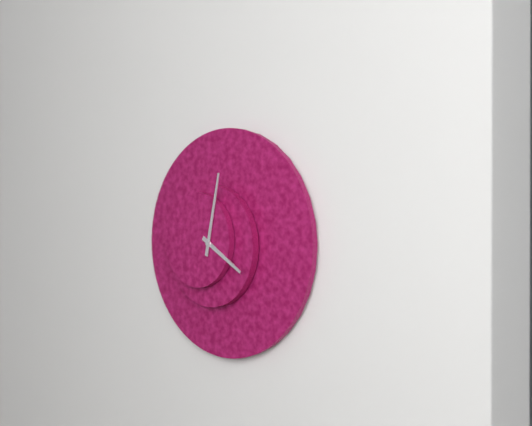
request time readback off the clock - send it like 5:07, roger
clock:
4:02
